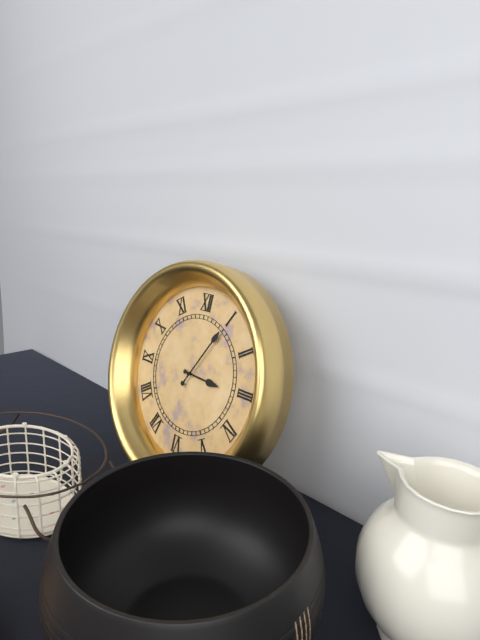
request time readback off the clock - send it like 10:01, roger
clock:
3:05
